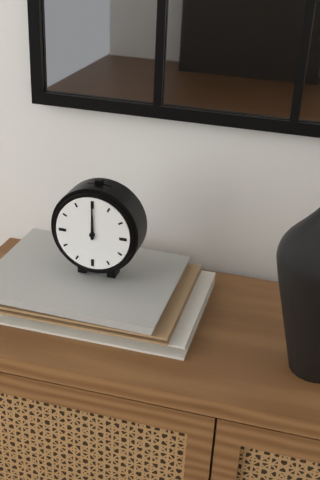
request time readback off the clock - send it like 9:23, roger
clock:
12:00
